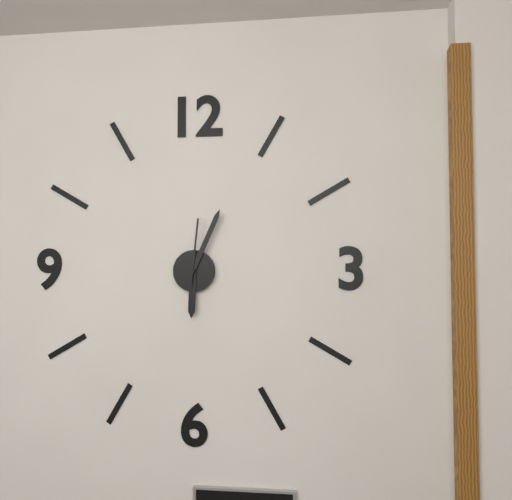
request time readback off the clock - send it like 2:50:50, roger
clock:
6:04:01
